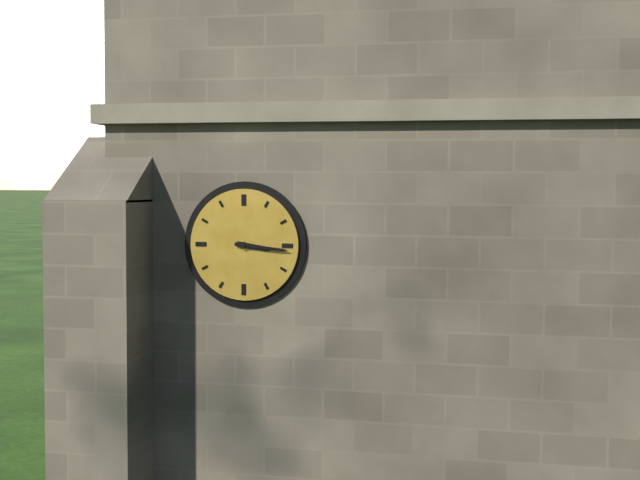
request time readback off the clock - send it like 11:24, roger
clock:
3:16
